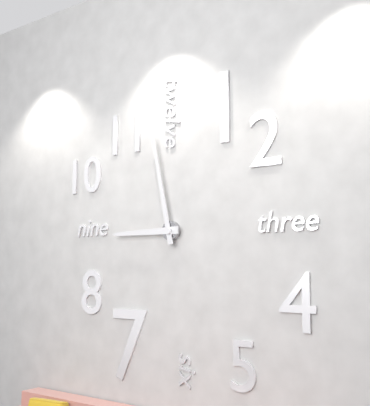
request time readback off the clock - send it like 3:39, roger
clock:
8:58
